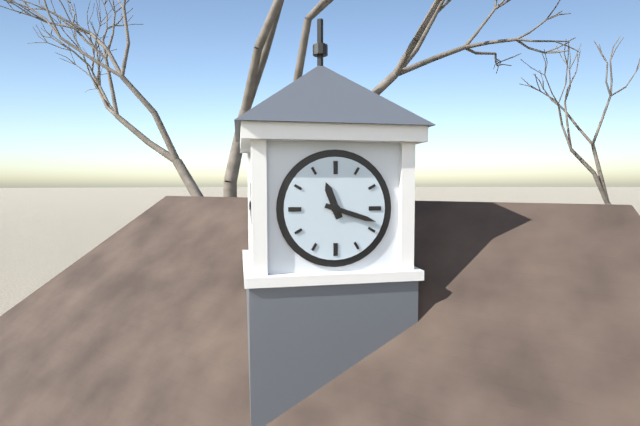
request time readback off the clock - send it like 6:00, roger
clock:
11:18
